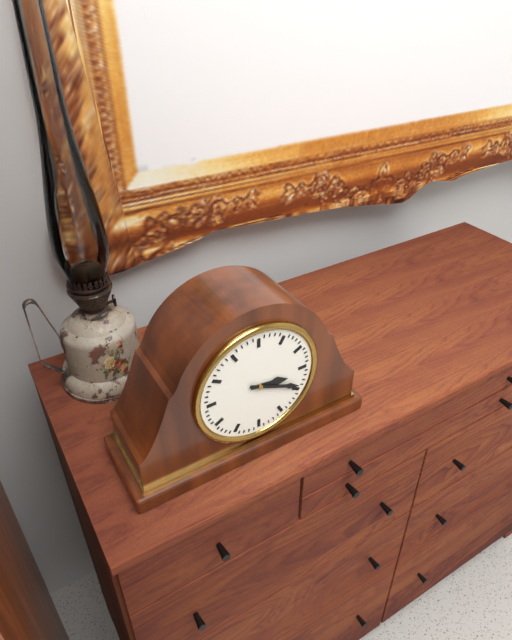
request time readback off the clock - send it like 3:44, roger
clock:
3:19
